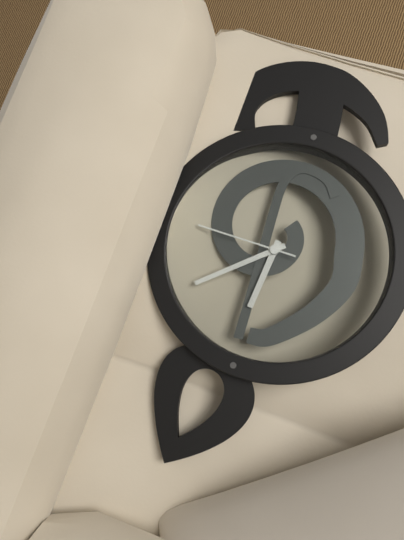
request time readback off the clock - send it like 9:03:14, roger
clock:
12:08:15
